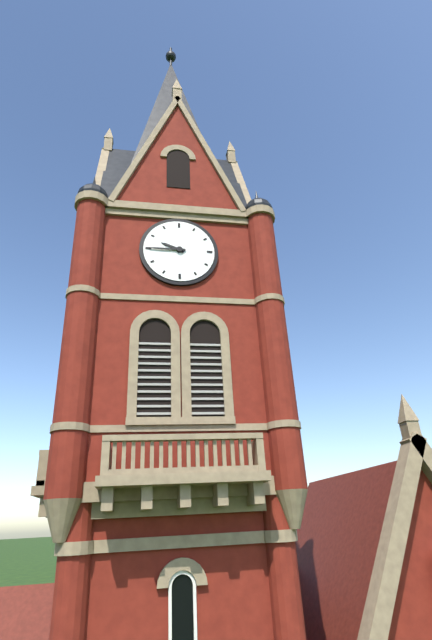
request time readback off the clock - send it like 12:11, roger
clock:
9:45
